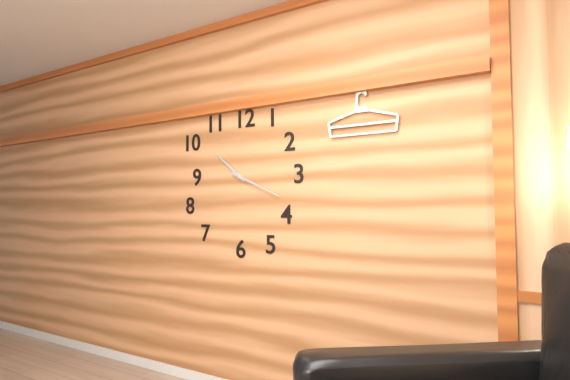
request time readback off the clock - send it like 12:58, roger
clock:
10:19
